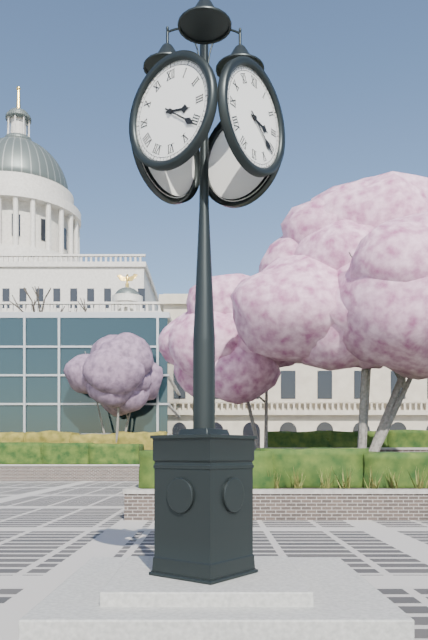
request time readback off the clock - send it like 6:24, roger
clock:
3:21
